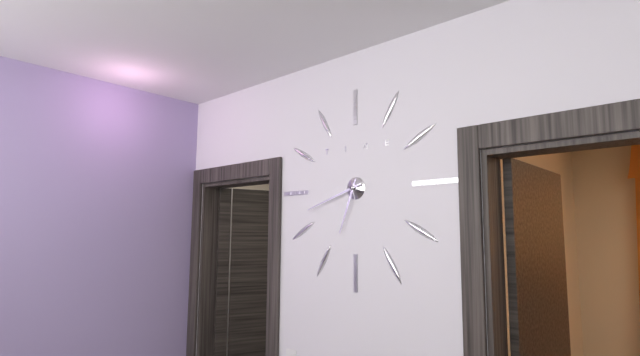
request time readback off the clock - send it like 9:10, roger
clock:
6:42
